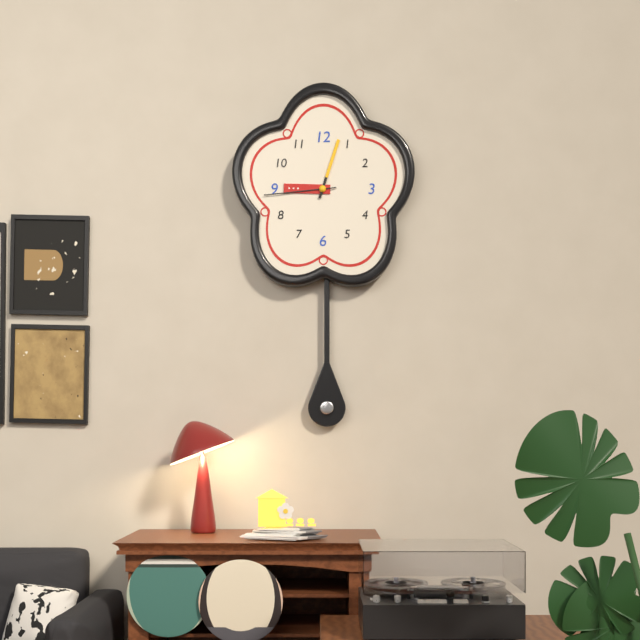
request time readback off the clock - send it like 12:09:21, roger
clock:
9:03:44
